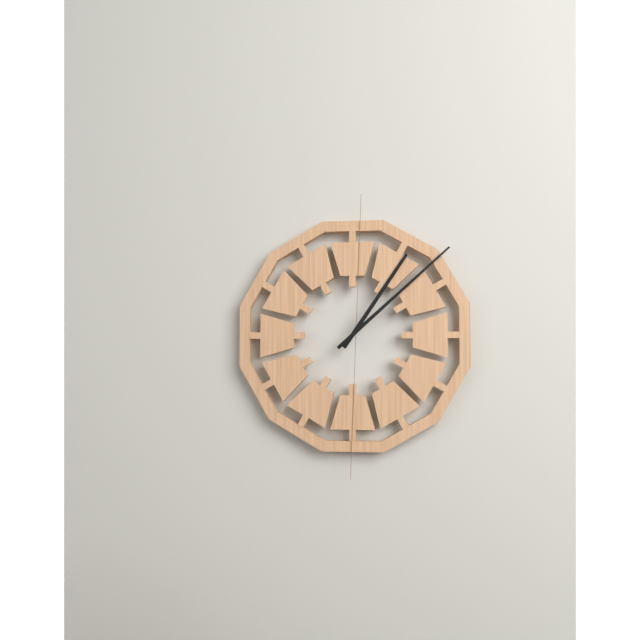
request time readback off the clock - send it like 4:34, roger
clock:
1:08
